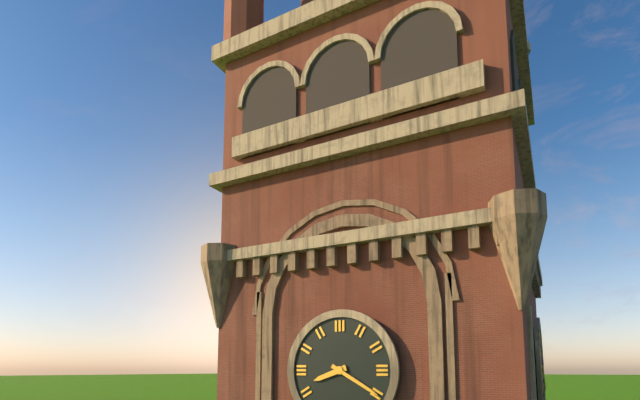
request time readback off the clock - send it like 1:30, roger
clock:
8:20
